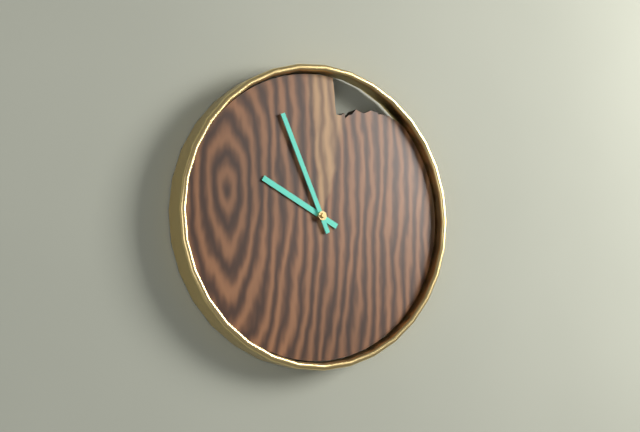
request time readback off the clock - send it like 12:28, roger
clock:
9:56
